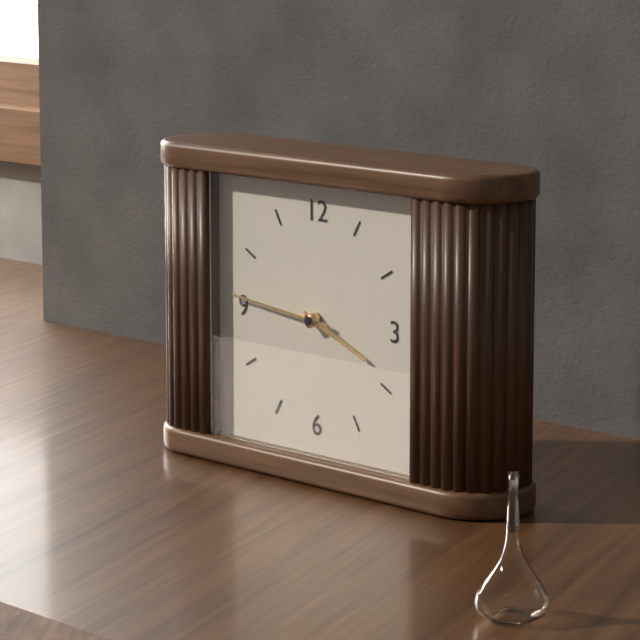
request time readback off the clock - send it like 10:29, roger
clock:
3:46
